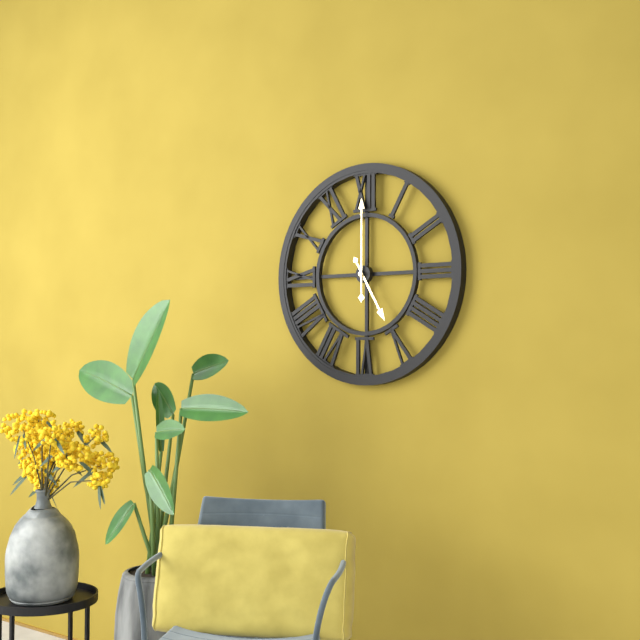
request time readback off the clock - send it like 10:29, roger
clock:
5:00
